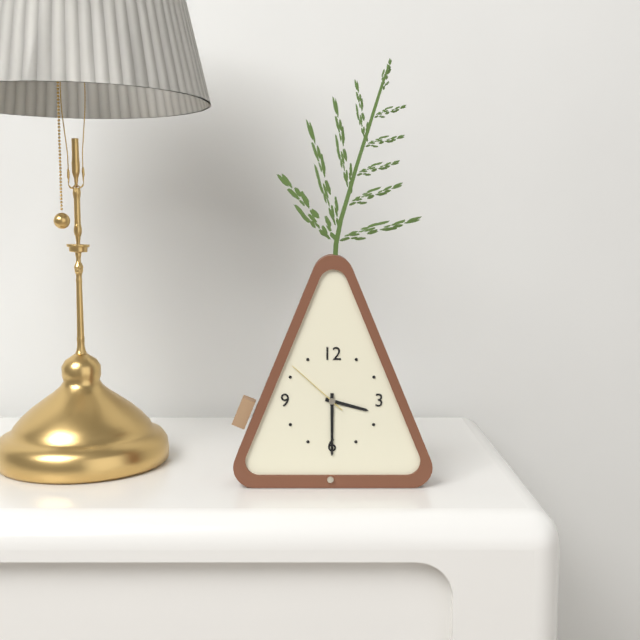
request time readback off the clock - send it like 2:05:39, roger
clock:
3:30:52
